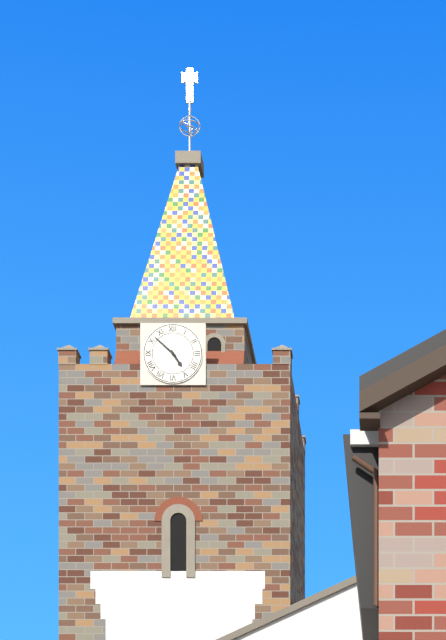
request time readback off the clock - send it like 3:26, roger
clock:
4:52
